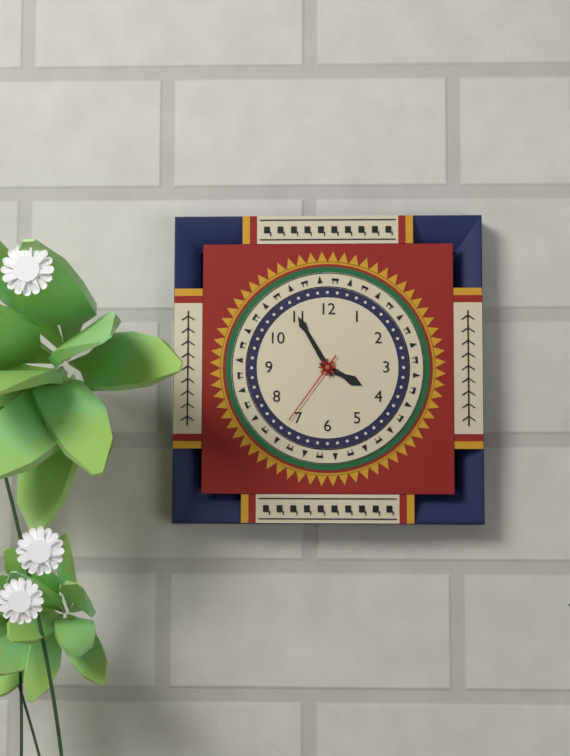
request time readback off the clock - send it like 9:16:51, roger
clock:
3:55:36
